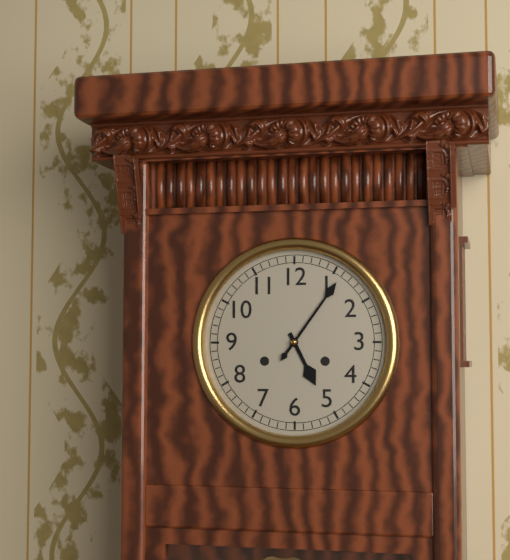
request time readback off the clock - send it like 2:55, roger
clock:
5:06
